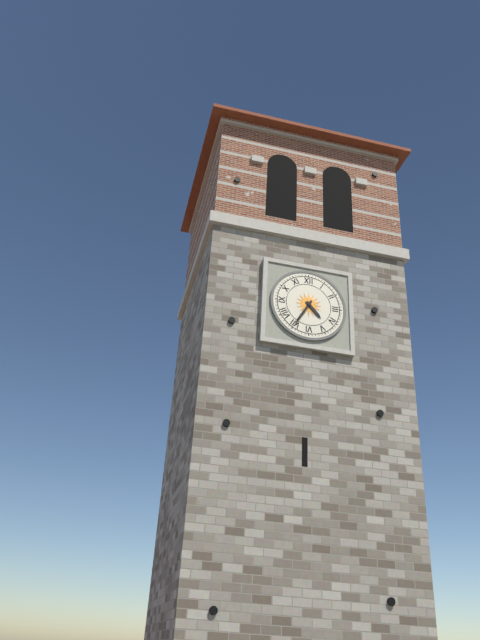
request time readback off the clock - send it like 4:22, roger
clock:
4:35
